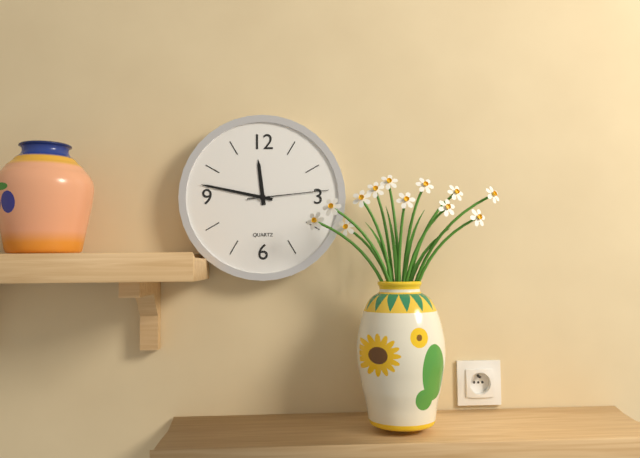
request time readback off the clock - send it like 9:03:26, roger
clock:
11:47:14
